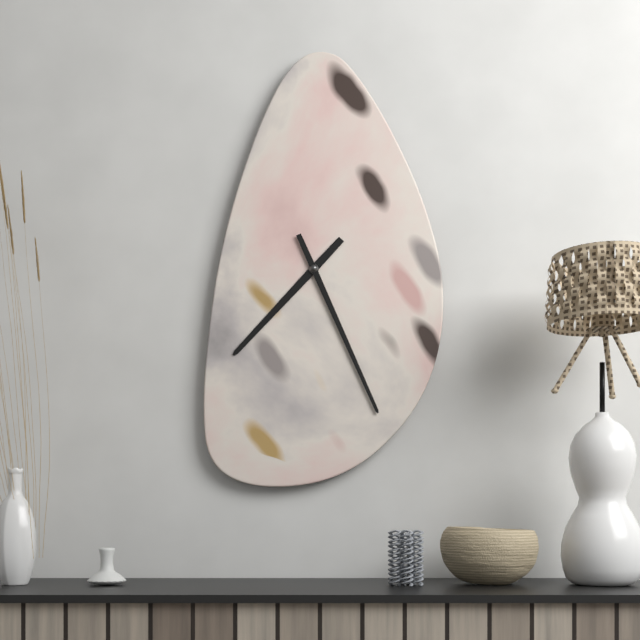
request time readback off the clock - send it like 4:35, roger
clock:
7:26
